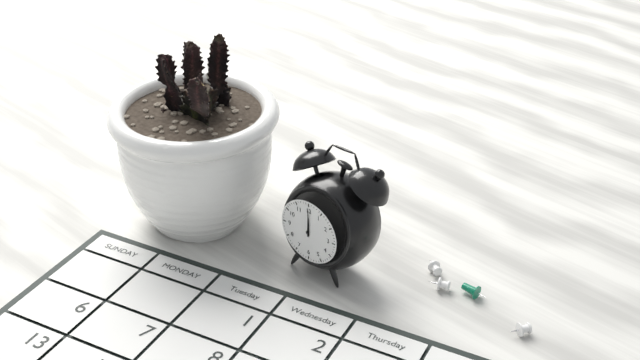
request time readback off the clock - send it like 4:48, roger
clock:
12:00
